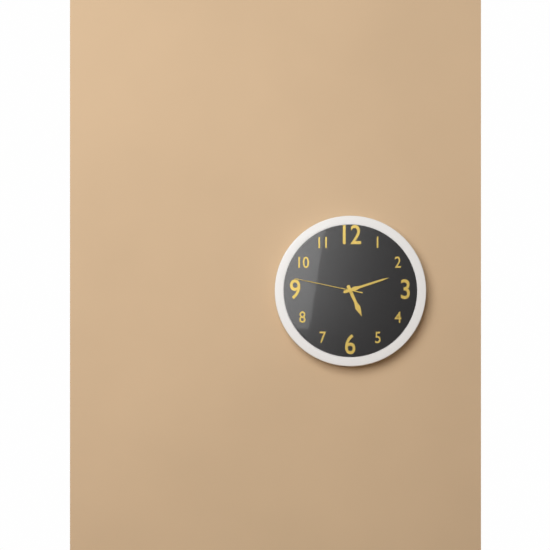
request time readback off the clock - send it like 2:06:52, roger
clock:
5:12:47
